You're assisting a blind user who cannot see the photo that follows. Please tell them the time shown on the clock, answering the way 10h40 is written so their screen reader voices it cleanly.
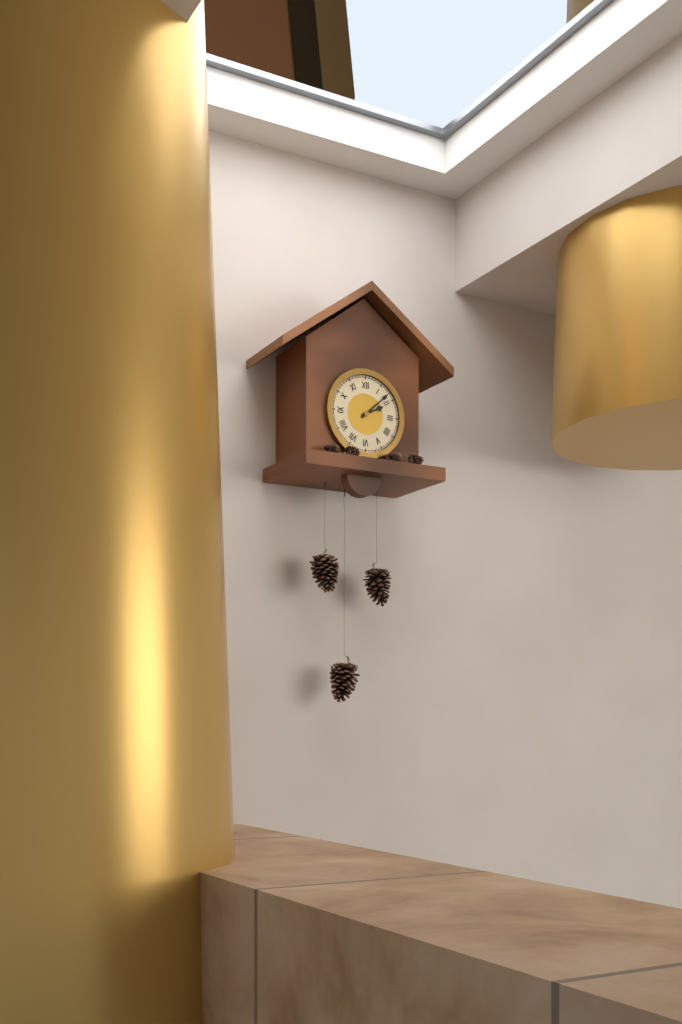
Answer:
2h08
